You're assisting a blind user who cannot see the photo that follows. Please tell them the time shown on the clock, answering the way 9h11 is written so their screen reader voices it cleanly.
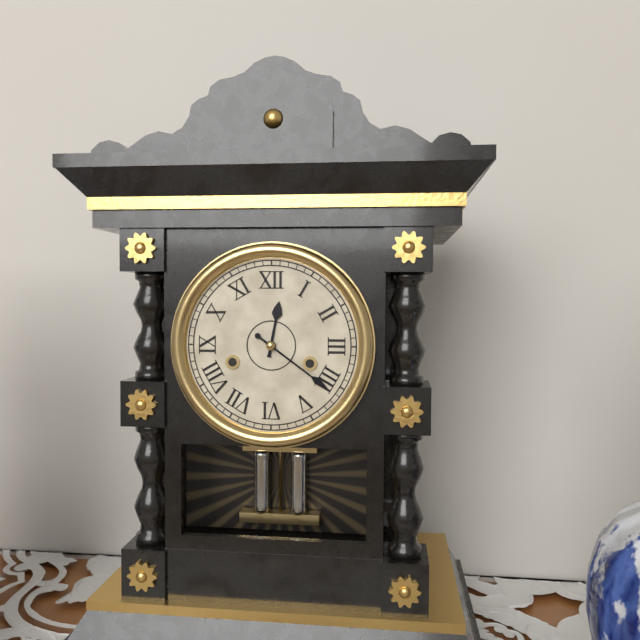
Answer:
12h21
